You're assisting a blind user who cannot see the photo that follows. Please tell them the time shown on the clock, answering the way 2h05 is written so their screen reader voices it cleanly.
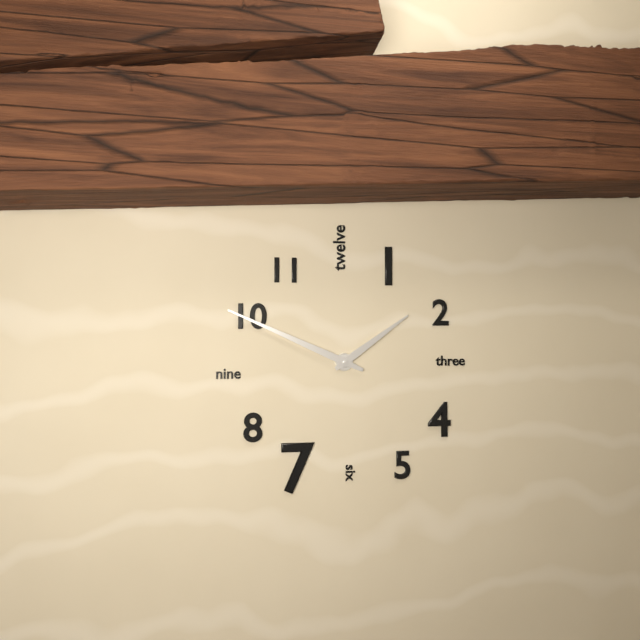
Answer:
1h49
